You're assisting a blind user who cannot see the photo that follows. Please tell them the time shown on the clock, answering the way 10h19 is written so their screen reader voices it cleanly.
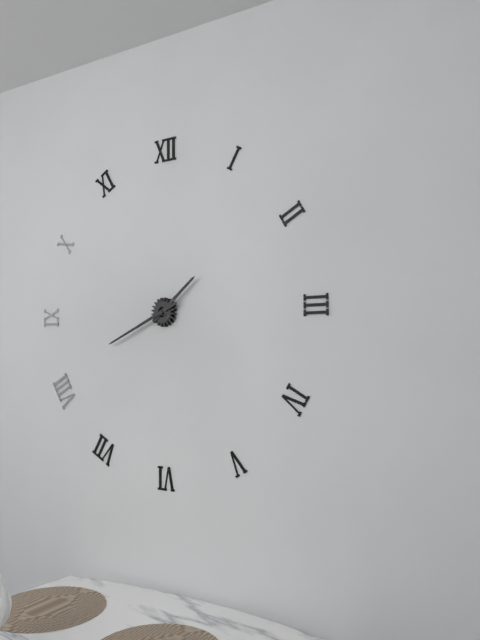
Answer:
1h41
